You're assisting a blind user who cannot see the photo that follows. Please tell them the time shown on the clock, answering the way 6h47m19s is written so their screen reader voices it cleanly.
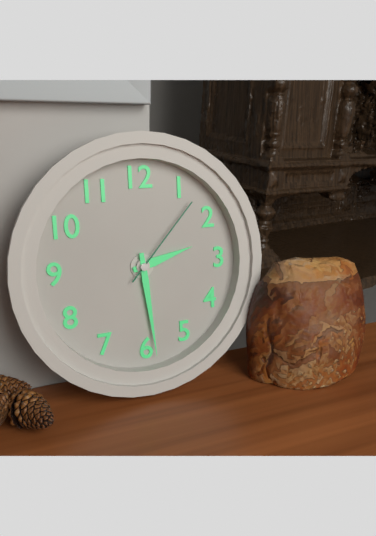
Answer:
2h29m07s
